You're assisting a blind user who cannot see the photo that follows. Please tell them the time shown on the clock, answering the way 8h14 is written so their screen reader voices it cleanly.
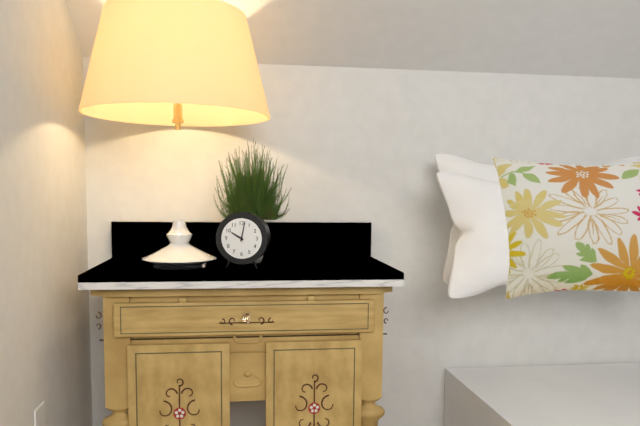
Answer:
10h02
